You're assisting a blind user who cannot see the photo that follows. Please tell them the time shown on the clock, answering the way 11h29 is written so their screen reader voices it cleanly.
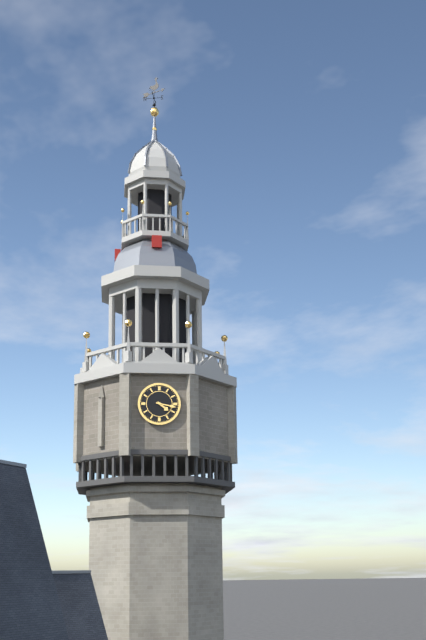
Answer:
4h17
